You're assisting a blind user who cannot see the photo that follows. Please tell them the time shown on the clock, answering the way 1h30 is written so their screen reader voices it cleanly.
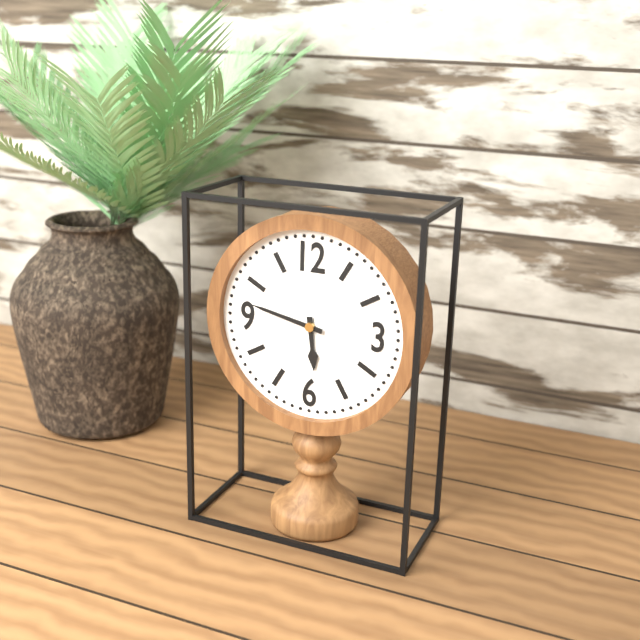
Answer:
5h47
